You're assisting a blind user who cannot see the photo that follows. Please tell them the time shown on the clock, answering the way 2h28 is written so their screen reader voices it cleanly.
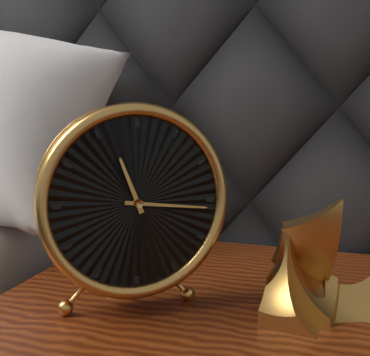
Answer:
11h16
